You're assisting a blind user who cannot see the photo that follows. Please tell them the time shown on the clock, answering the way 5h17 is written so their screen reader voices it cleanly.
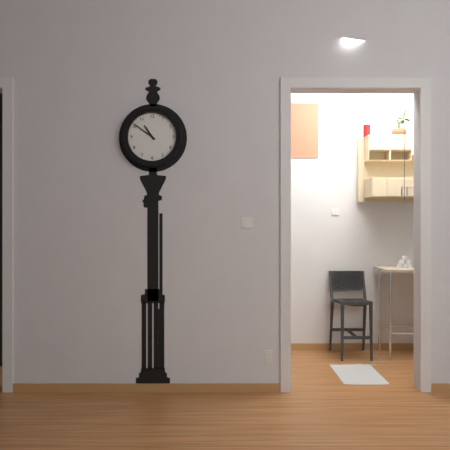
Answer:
10h51
